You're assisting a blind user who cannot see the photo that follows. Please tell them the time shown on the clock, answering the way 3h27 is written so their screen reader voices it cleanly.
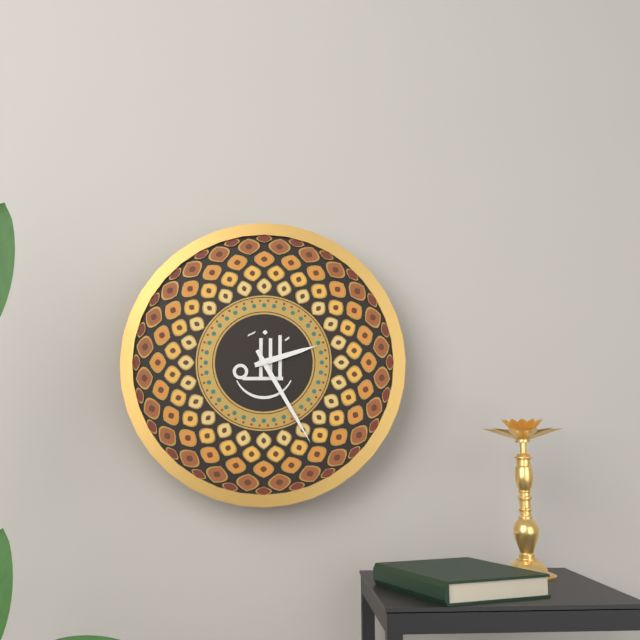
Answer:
2h25
